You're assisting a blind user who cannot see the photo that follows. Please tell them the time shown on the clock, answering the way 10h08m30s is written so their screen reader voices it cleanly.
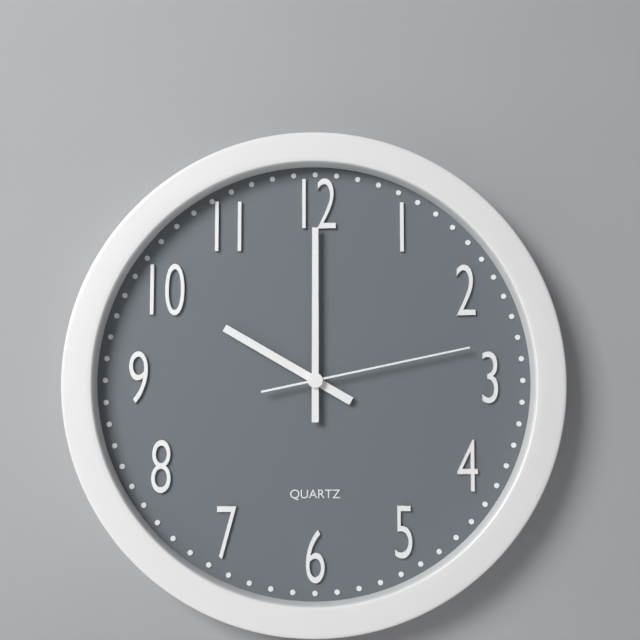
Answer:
10h00m13s
